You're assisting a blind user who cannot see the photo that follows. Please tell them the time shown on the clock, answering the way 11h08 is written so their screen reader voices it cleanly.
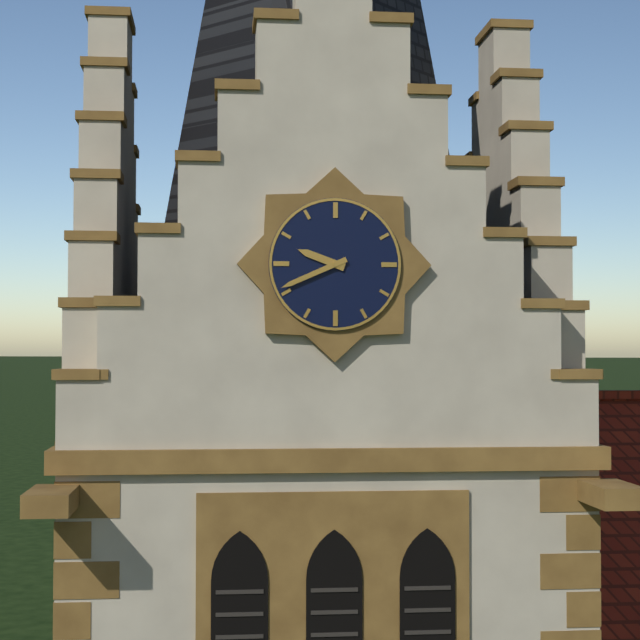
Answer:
9h41
